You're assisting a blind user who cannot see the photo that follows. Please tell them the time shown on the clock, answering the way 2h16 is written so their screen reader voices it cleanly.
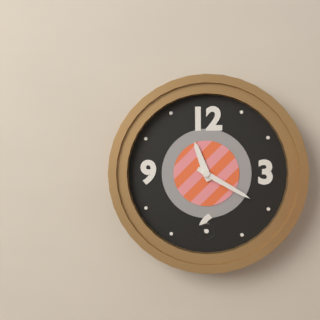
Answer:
11h20
